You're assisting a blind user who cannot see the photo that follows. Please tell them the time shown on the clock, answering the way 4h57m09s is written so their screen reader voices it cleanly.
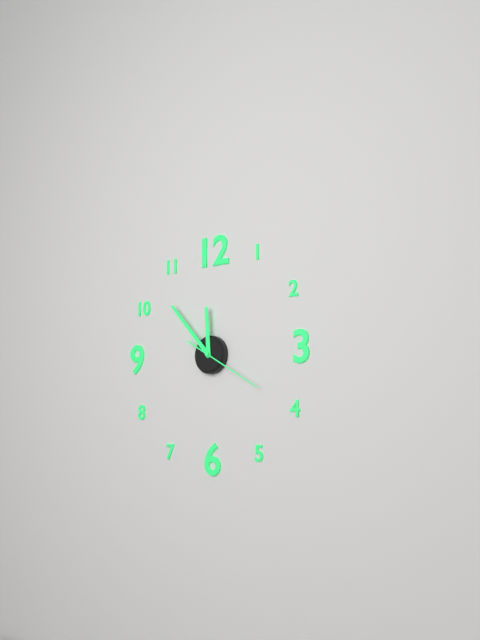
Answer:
11h53m20s
